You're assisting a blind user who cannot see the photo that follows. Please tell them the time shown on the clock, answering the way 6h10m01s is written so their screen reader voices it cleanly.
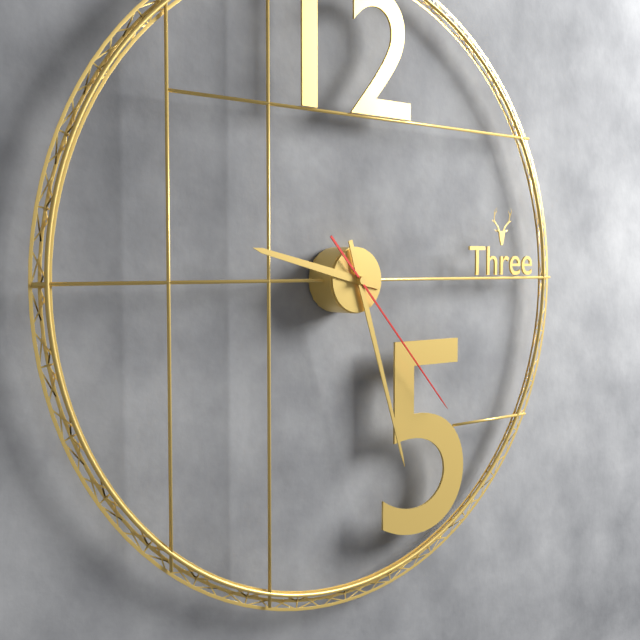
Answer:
9h27m23s
